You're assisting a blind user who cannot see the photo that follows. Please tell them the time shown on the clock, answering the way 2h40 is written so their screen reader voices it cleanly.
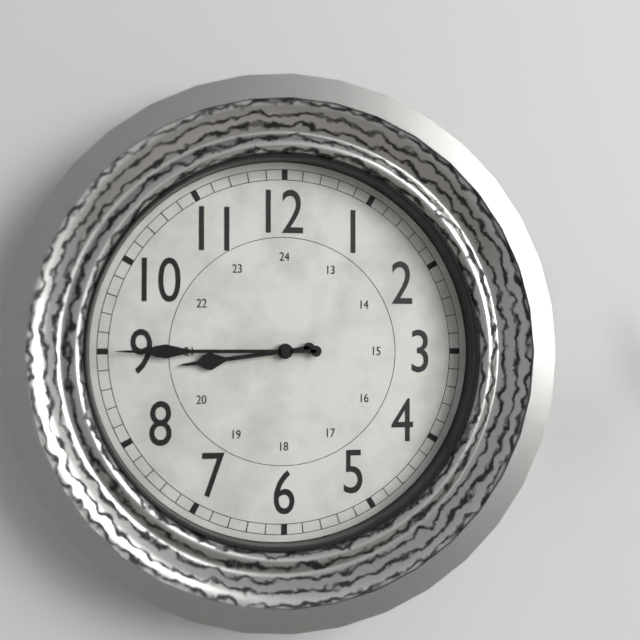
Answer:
8h45
